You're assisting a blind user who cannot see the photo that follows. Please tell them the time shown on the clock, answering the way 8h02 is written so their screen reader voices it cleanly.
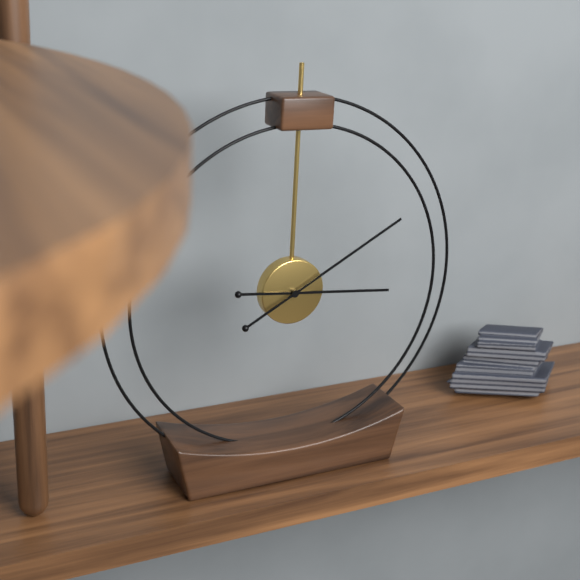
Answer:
3h10
